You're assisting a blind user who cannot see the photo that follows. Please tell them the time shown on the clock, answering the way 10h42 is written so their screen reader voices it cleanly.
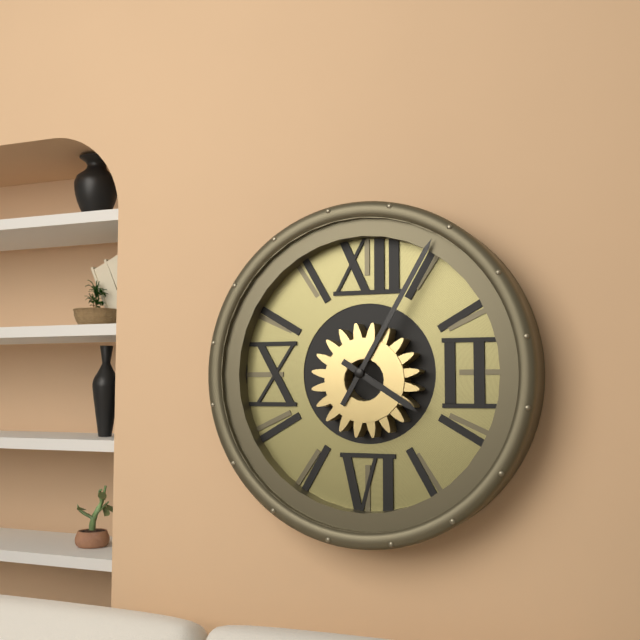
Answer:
4h05
